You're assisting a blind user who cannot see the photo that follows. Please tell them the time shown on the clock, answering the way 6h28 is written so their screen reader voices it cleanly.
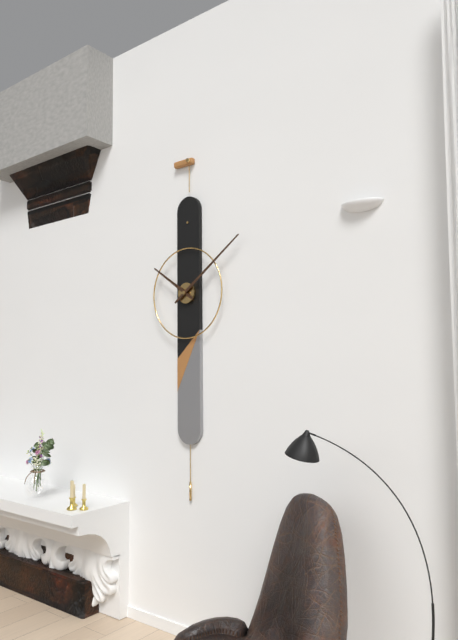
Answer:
10h09
